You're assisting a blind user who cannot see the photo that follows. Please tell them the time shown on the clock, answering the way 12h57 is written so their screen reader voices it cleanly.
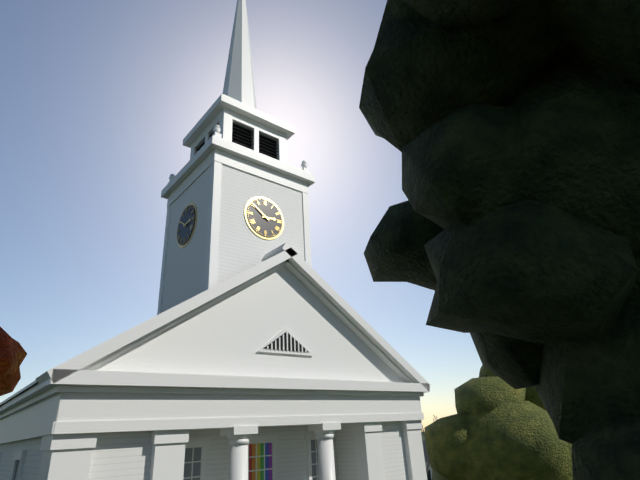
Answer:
2h51
